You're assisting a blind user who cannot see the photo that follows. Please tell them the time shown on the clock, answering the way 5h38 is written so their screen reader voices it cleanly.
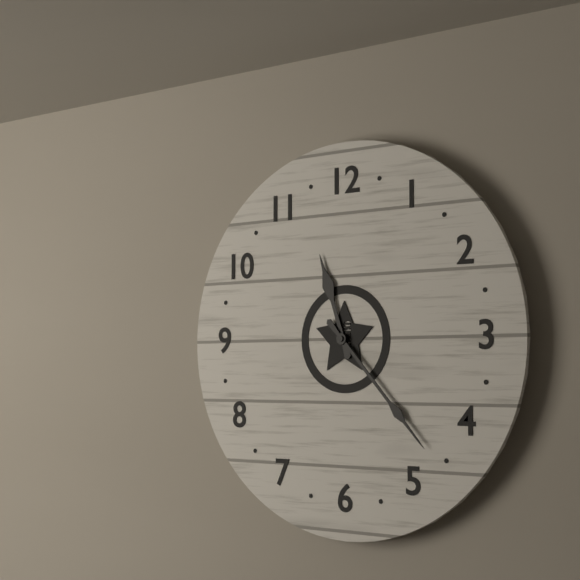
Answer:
11h23
